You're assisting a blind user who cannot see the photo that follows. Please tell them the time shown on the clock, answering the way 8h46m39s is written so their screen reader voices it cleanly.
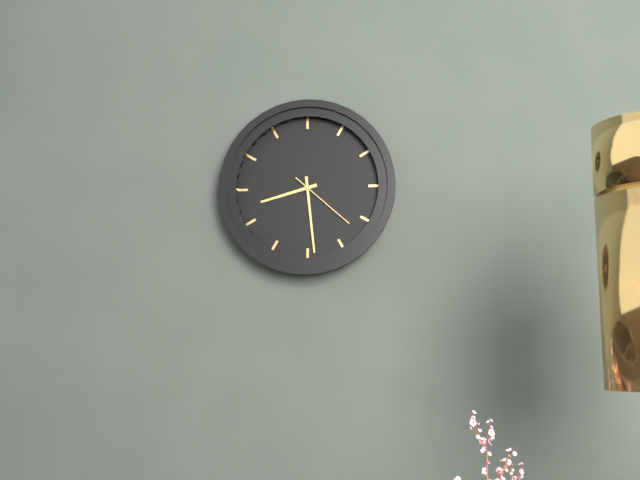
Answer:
8h29m22s
